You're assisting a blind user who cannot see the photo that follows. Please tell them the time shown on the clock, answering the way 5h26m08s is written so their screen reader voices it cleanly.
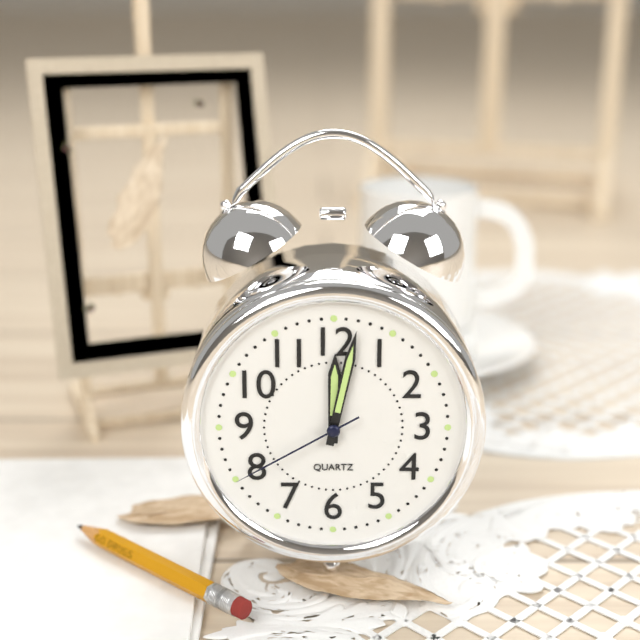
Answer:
12h02m40s
